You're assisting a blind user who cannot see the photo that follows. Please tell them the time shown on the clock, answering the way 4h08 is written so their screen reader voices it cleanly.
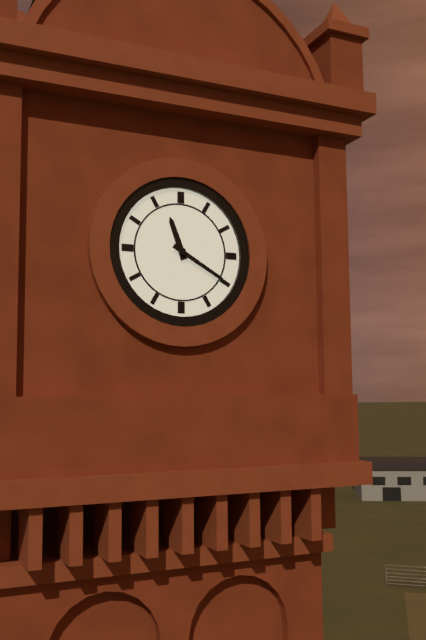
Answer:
11h20
